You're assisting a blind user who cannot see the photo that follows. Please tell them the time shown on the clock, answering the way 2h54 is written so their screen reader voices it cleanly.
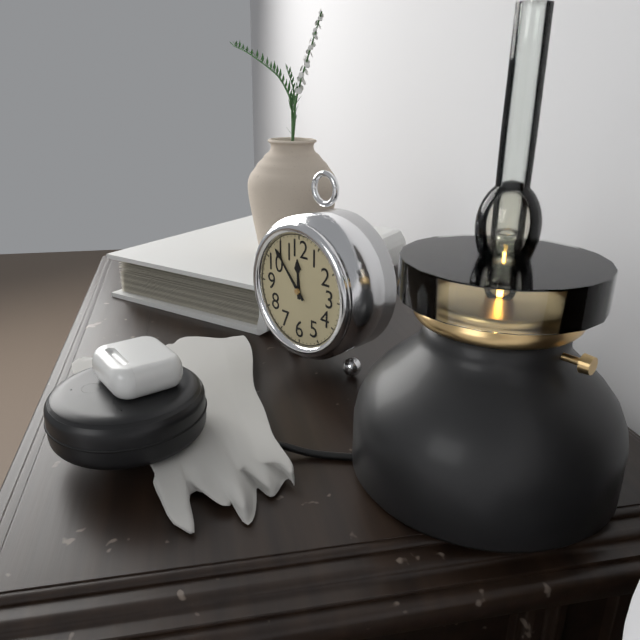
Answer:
11h53
